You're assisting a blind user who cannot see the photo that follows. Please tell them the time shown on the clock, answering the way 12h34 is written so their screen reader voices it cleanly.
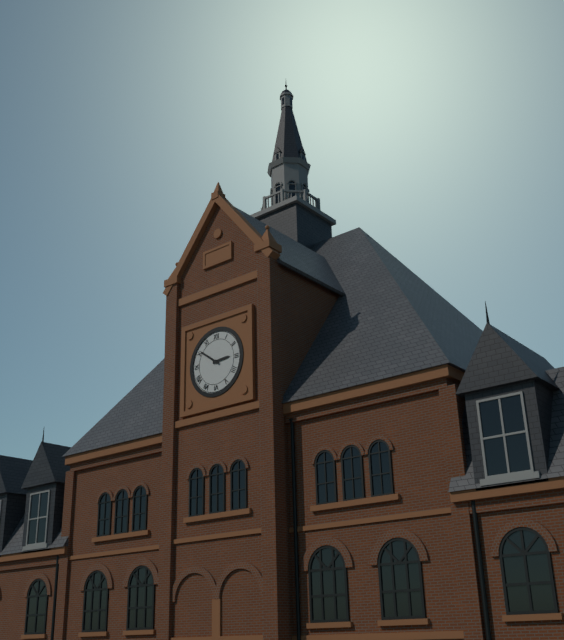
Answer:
2h51
